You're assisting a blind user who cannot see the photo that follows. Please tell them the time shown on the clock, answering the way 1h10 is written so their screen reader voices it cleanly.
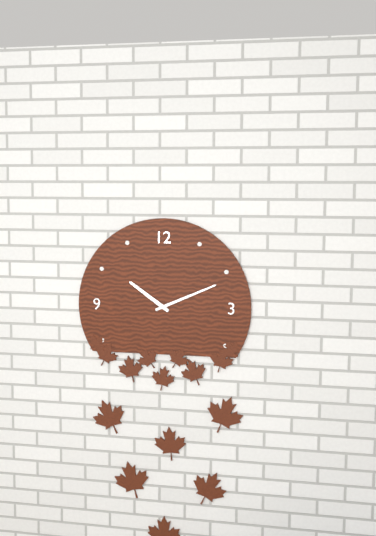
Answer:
10h11
